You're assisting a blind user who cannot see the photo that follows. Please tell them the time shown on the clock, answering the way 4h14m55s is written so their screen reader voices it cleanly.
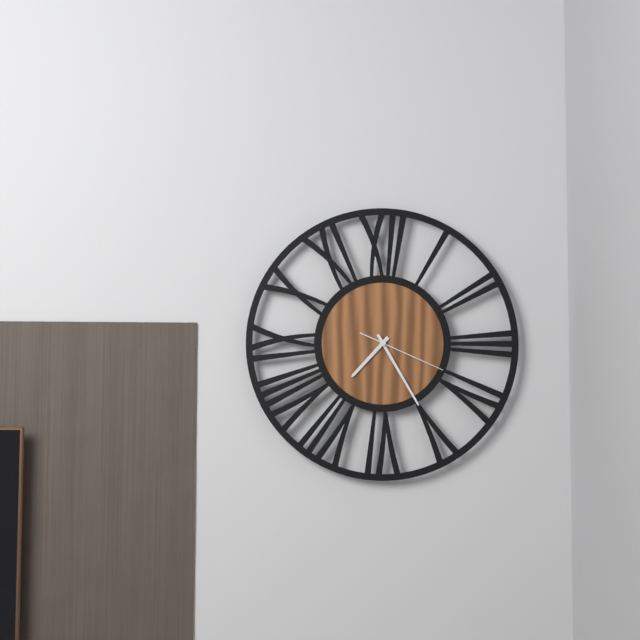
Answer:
7h25m19s
